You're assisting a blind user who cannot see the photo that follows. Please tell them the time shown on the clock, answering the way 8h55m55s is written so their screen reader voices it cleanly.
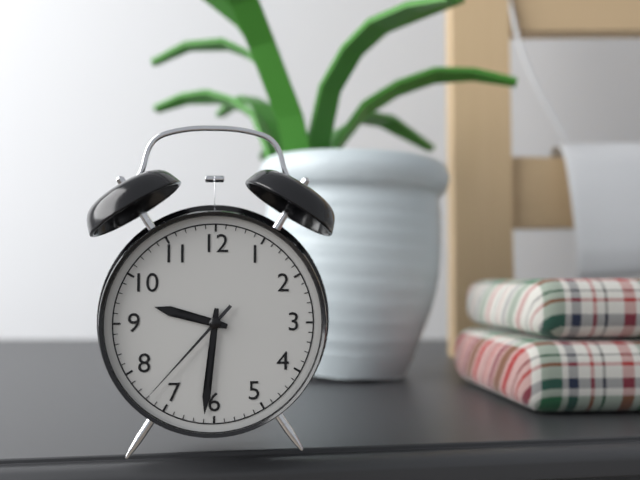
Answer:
9h31m37s
